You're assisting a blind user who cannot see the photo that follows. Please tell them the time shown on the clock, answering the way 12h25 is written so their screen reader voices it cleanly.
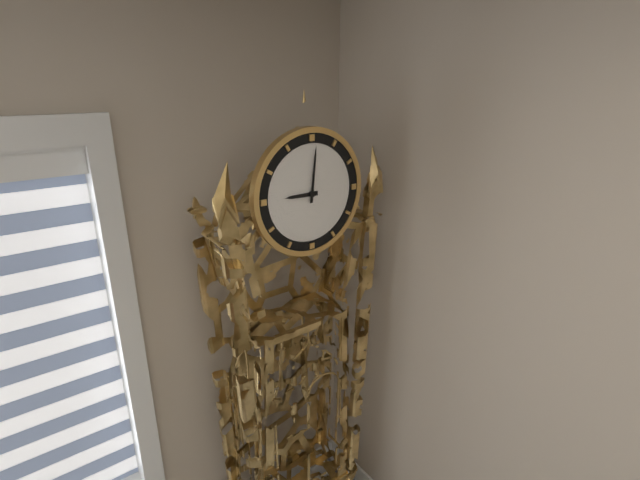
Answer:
9h01
